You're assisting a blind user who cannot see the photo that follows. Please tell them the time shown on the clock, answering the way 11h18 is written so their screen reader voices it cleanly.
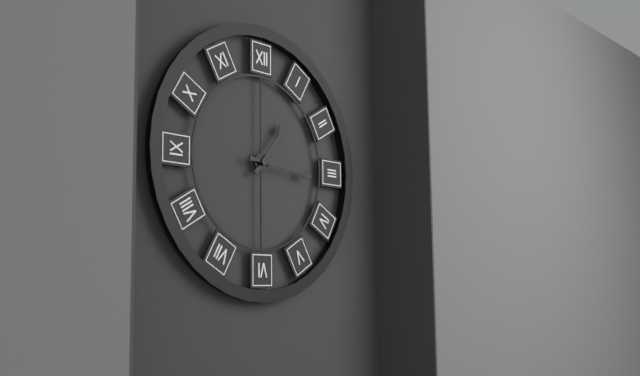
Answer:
1h16
